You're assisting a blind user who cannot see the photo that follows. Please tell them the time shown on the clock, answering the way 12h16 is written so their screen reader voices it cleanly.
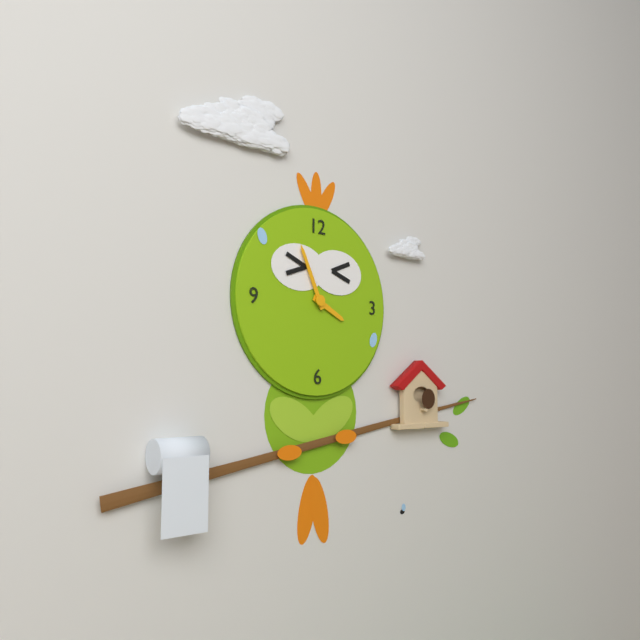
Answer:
3h56
